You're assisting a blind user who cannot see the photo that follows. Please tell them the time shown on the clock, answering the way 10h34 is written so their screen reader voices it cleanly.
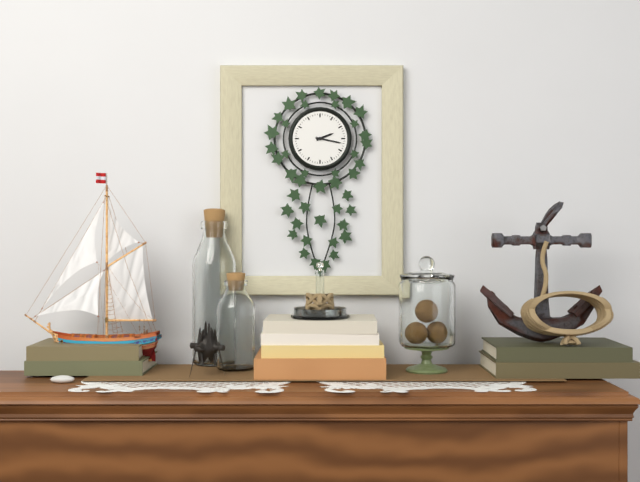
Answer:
2h17
